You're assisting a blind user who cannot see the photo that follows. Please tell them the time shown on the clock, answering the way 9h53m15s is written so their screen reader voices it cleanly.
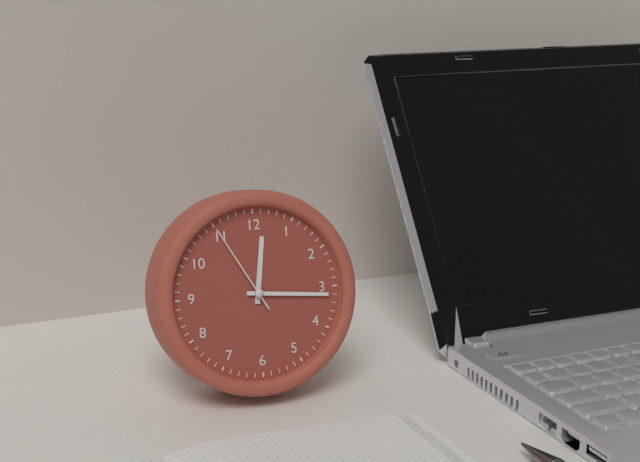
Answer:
12h16m55s
